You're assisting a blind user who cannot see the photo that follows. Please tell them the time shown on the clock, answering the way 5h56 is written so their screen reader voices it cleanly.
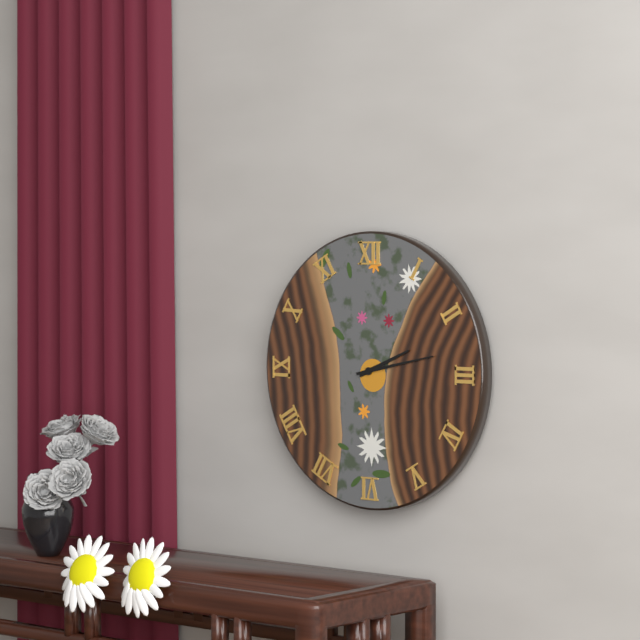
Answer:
2h13
